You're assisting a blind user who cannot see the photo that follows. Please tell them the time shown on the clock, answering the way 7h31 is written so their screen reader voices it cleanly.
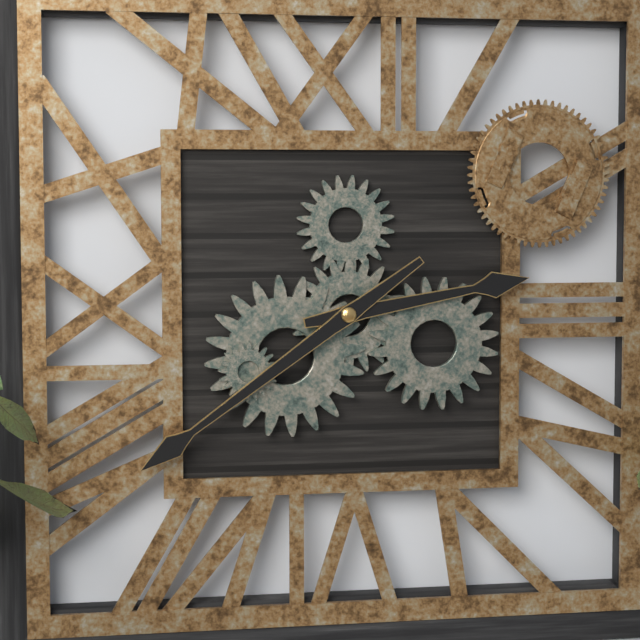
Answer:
2h39
